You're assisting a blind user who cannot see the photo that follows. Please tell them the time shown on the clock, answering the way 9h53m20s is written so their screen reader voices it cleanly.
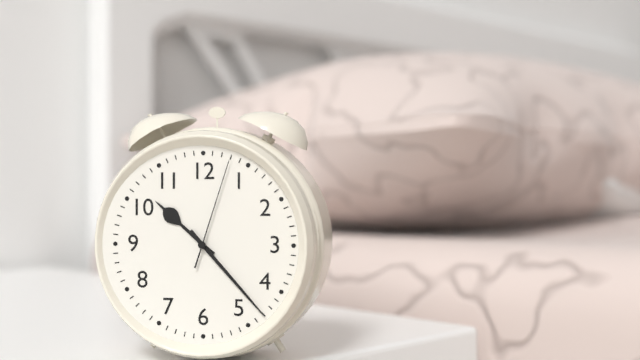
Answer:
10h23m03s
